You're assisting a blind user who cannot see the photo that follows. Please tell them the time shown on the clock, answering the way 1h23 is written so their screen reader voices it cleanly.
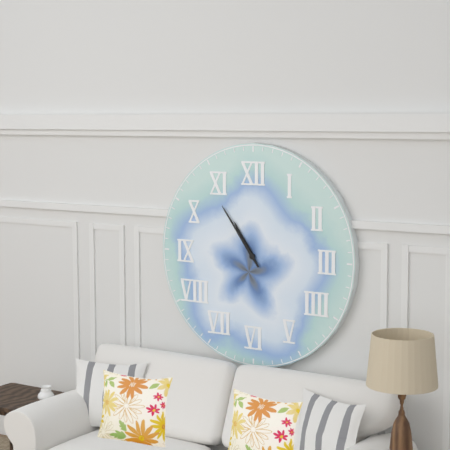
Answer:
10h54
